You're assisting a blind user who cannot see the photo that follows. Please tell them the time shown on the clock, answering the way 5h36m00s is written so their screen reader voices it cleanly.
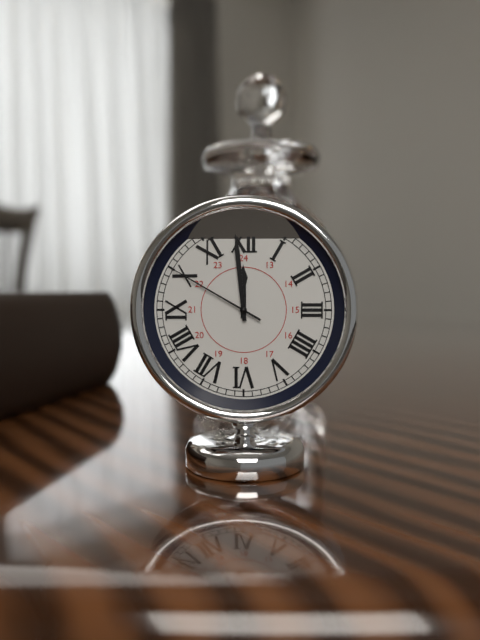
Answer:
11h59m50s
